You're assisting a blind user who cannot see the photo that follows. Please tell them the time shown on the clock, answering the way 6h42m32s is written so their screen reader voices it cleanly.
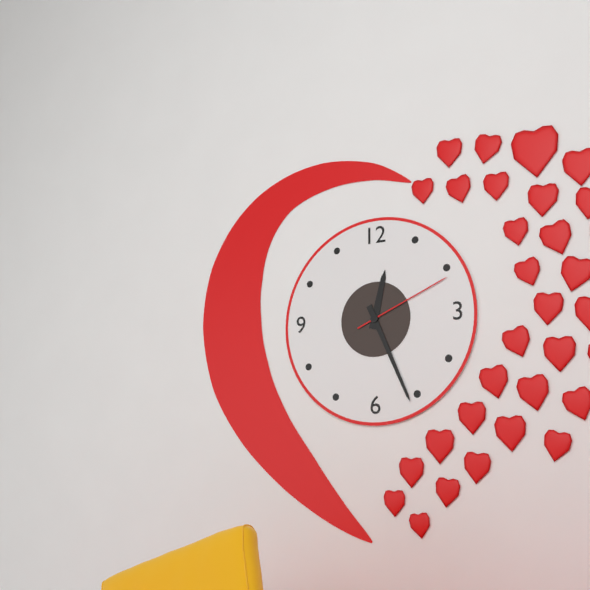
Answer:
12h26m11s
